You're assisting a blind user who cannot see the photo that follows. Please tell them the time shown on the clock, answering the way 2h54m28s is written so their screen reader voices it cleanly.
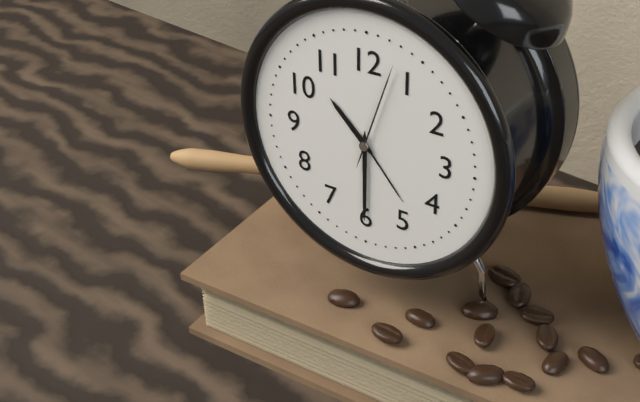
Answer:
10h30m03s
